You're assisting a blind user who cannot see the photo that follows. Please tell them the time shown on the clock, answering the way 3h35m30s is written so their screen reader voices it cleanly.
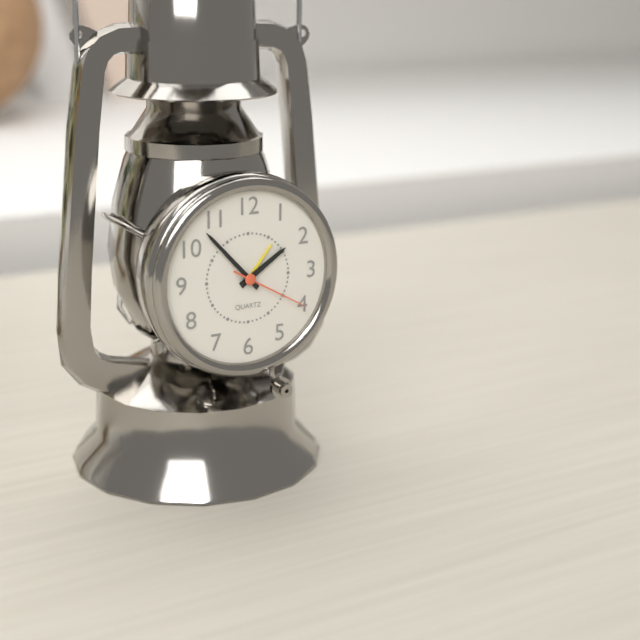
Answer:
1h53m20s
